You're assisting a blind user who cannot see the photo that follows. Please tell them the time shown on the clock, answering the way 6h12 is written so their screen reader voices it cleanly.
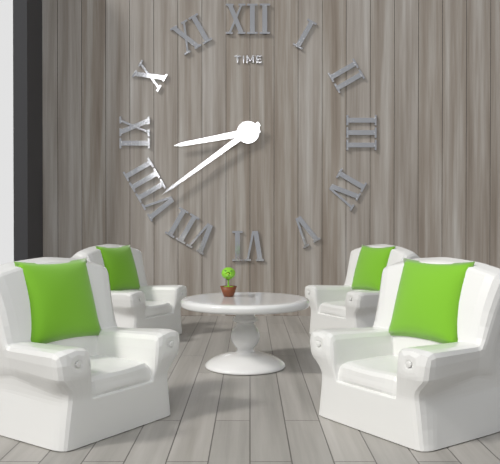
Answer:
8h39
